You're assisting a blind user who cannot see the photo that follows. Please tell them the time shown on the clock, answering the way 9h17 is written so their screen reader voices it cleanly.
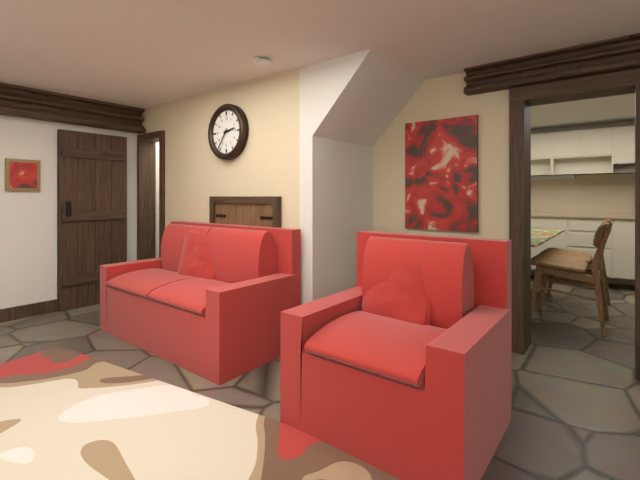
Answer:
2h36
